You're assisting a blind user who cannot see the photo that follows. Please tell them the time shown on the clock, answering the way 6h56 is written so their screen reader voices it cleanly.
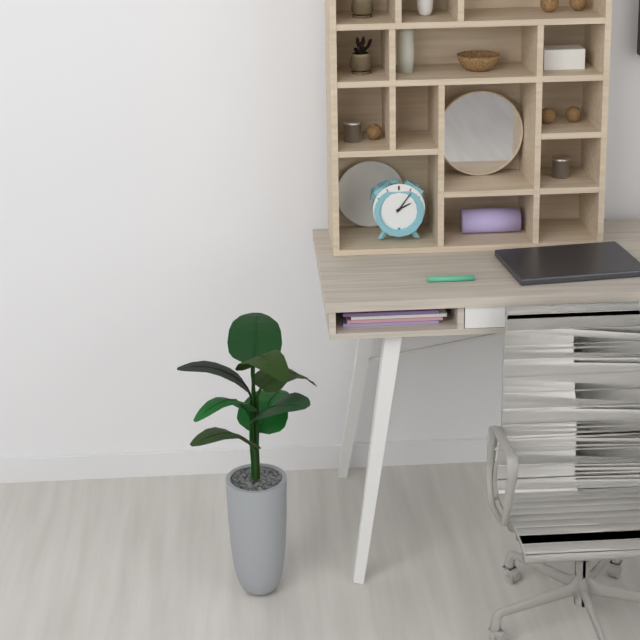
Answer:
2h06
